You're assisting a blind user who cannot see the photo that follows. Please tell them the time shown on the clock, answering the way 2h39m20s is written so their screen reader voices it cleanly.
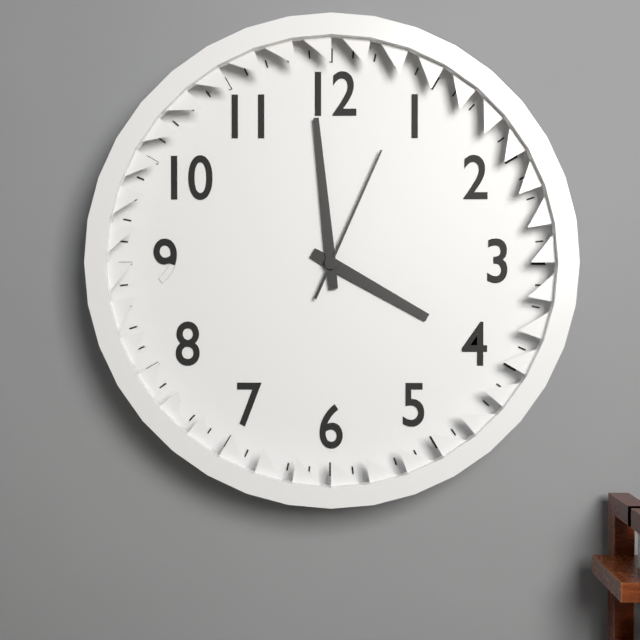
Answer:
3h59m04s
